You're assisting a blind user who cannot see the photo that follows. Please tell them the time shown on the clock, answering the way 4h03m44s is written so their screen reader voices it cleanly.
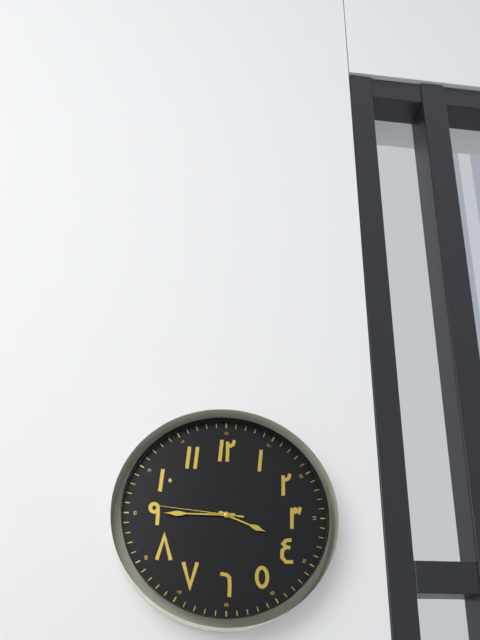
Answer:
3h45m46s
